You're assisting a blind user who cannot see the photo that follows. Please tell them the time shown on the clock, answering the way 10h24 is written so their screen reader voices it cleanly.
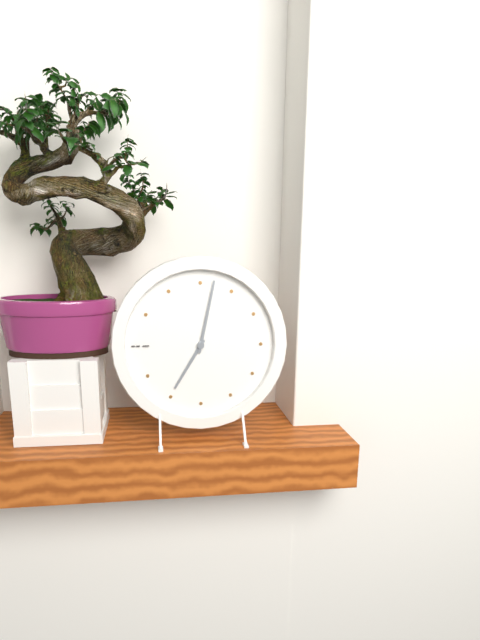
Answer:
7h02
